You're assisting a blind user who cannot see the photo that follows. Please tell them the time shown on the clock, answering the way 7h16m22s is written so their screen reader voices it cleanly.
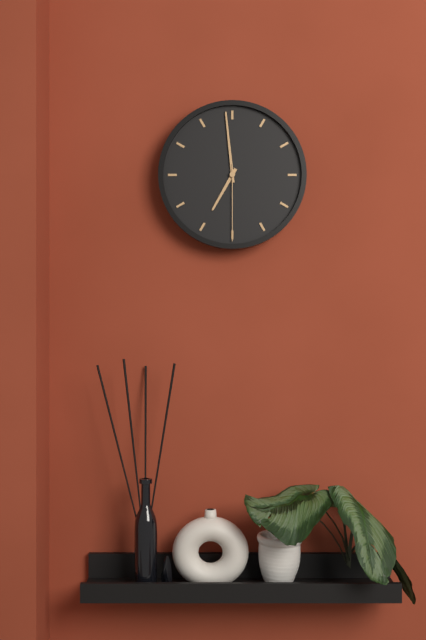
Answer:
6h59m30s
